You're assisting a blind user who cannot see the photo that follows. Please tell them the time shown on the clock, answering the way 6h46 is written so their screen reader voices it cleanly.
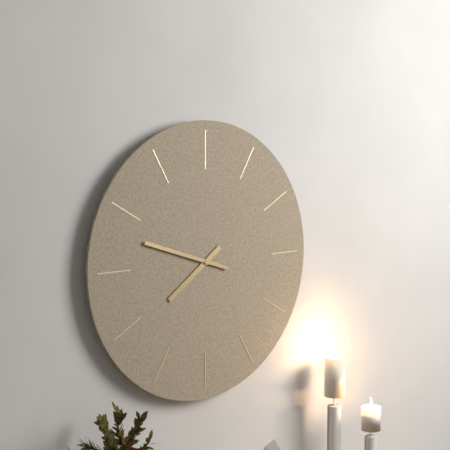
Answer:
7h48
